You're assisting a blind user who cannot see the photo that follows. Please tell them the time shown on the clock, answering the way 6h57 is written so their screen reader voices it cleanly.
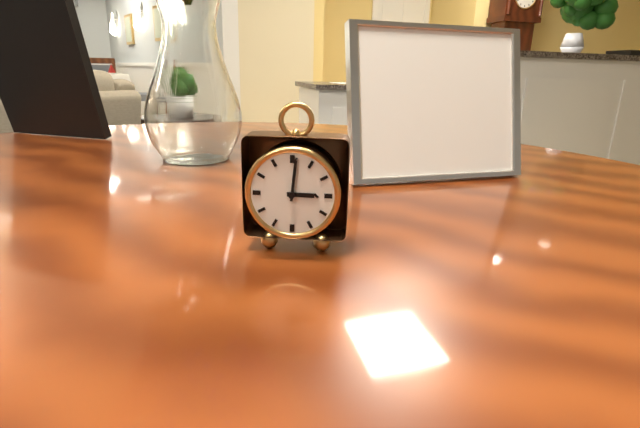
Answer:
3h01
